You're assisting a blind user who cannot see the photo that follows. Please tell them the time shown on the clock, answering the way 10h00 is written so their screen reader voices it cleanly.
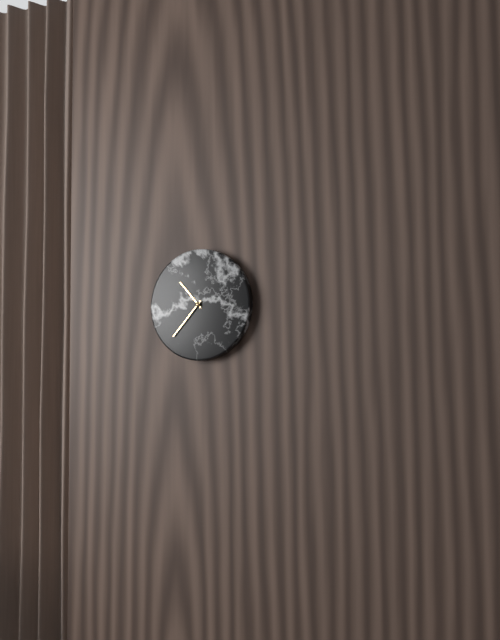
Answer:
10h37
